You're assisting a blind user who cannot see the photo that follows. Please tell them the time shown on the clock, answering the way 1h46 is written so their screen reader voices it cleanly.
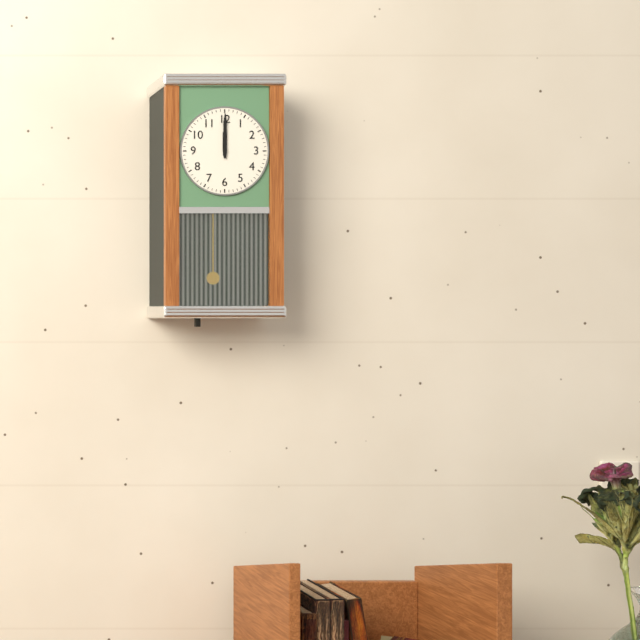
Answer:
12h00
